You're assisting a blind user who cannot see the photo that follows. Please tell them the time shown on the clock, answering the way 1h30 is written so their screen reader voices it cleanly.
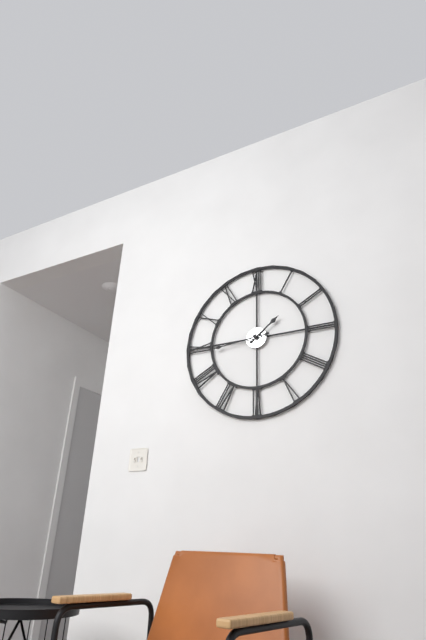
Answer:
1h44
